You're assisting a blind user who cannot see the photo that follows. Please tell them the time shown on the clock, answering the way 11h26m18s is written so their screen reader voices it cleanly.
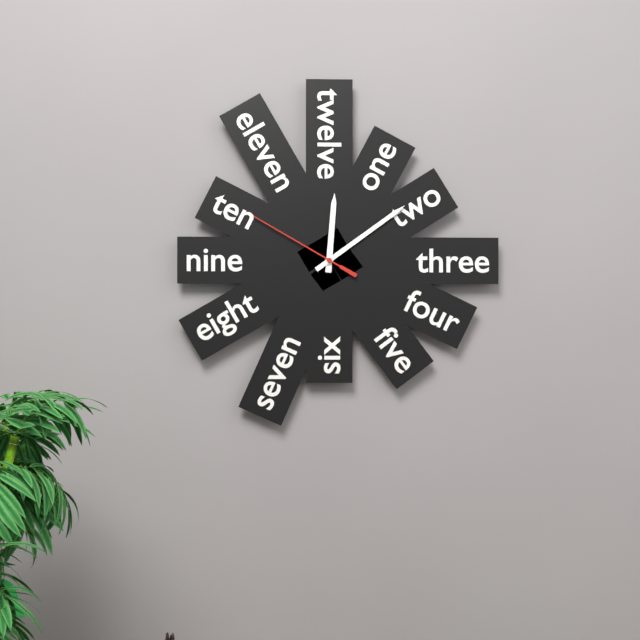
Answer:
12h09m50s
